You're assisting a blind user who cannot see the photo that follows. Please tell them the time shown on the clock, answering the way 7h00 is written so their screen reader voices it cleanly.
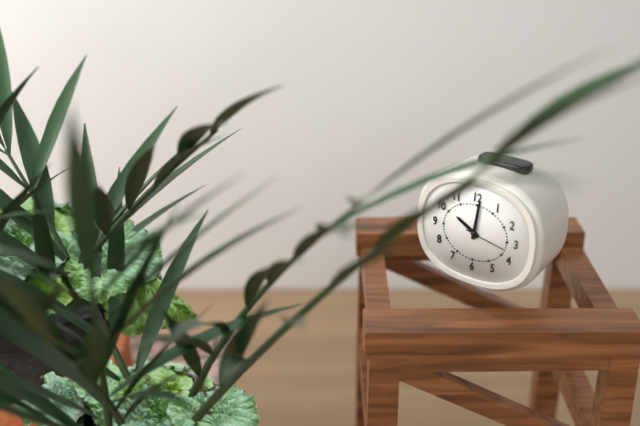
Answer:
10h01
